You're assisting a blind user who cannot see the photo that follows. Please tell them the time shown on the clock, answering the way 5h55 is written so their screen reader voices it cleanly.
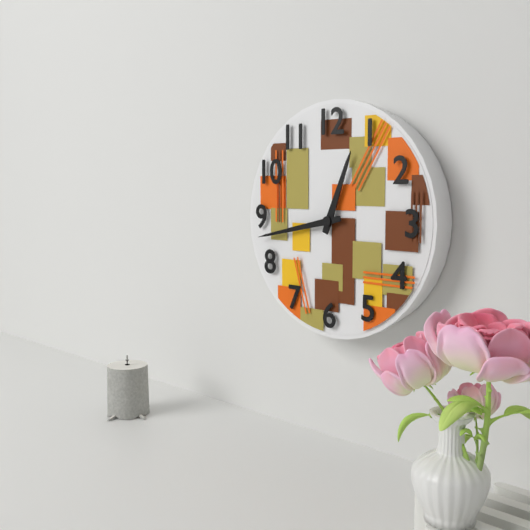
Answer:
12h43
